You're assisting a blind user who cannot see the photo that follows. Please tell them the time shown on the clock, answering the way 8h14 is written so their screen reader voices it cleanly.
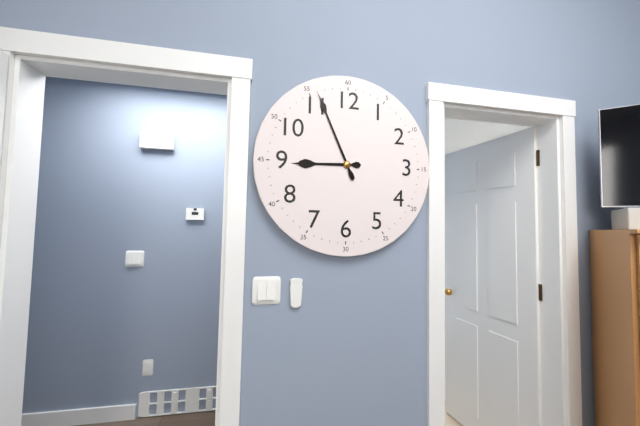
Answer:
8h56
